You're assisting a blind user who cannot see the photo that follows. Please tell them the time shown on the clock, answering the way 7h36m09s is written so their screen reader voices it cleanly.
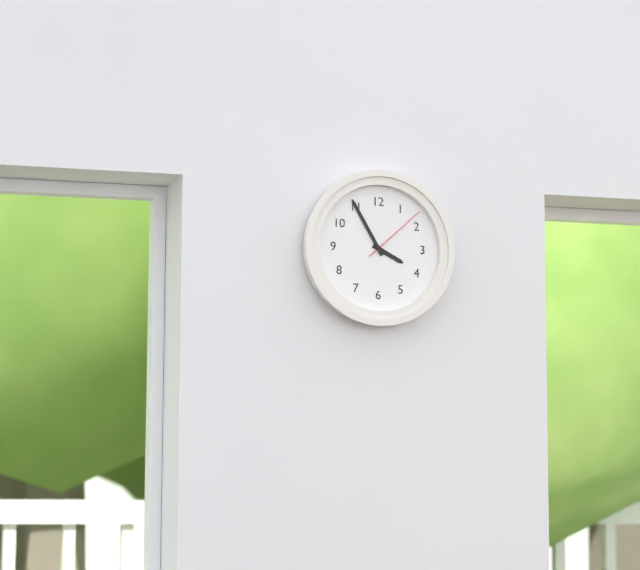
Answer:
3h55m08s
